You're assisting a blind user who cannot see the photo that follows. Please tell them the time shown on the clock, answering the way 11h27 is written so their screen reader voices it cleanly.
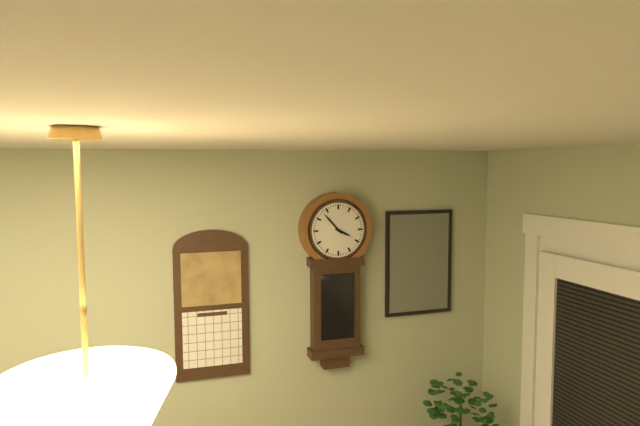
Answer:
3h53
